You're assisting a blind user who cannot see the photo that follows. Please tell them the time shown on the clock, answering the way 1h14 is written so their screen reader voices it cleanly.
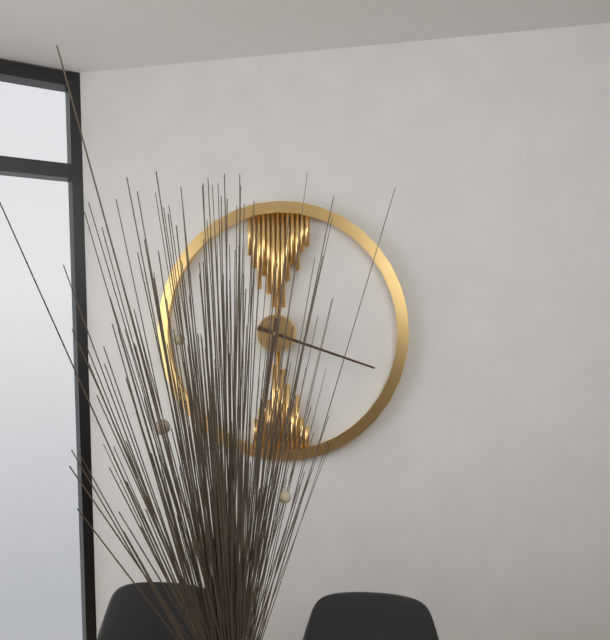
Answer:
6h18
